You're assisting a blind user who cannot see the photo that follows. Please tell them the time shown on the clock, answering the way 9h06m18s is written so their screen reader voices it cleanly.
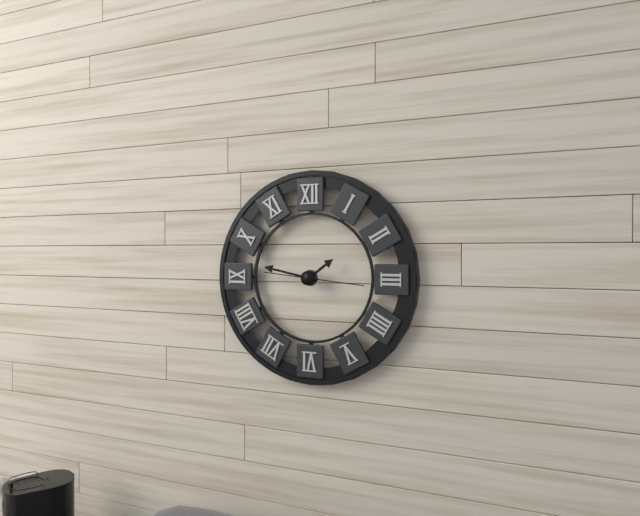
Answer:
1h47m16s
